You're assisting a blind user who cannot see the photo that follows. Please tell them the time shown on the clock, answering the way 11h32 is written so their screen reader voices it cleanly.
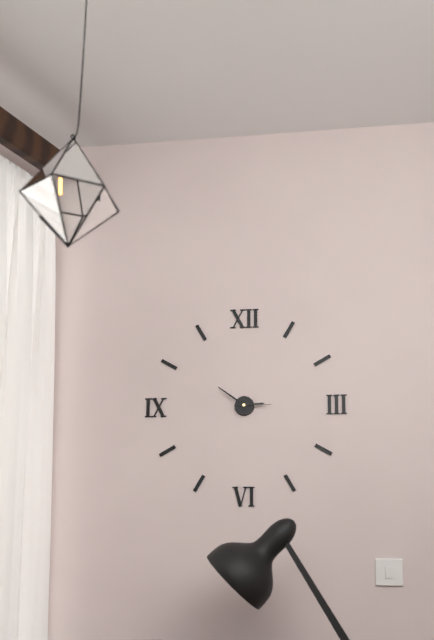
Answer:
2h51
